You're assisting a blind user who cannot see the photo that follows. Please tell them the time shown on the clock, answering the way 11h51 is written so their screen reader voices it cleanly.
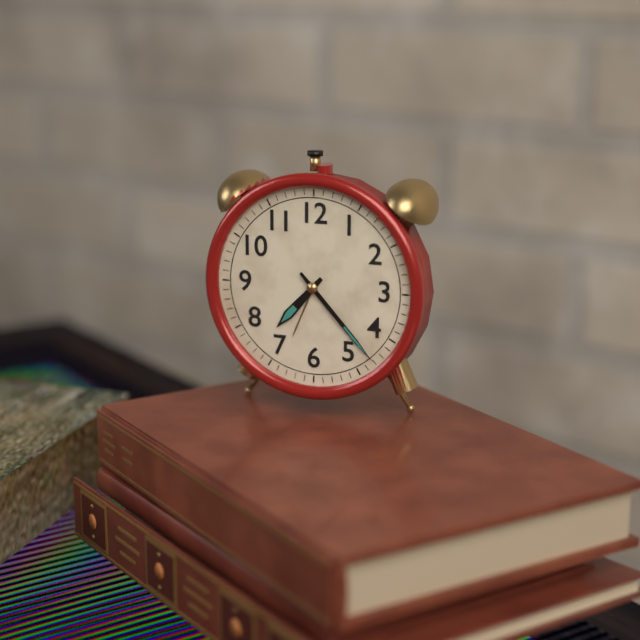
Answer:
7h23
